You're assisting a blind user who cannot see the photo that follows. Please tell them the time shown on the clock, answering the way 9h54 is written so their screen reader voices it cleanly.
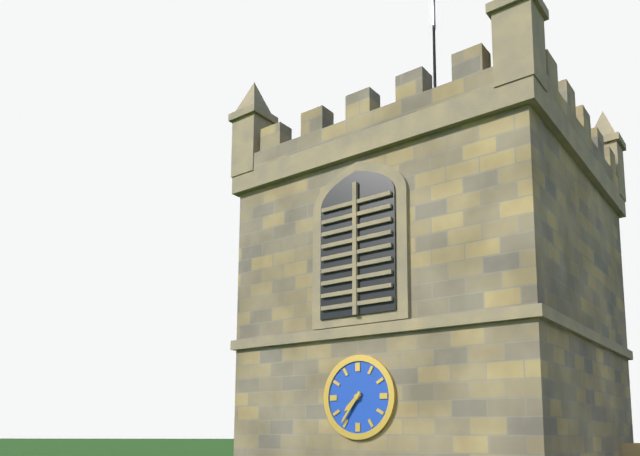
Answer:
7h36
